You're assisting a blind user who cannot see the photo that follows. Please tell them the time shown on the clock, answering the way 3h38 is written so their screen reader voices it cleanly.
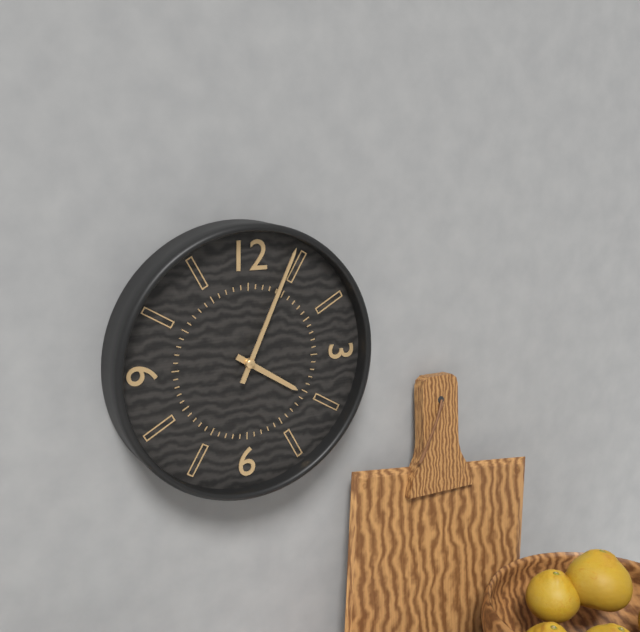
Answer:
4h04
